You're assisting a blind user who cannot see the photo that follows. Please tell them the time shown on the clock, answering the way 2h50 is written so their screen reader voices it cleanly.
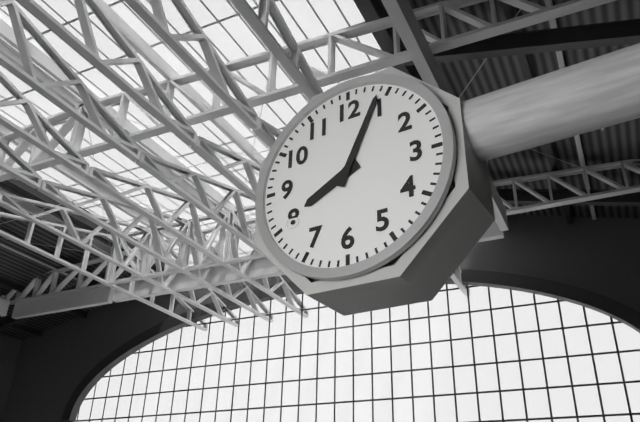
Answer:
8h04
